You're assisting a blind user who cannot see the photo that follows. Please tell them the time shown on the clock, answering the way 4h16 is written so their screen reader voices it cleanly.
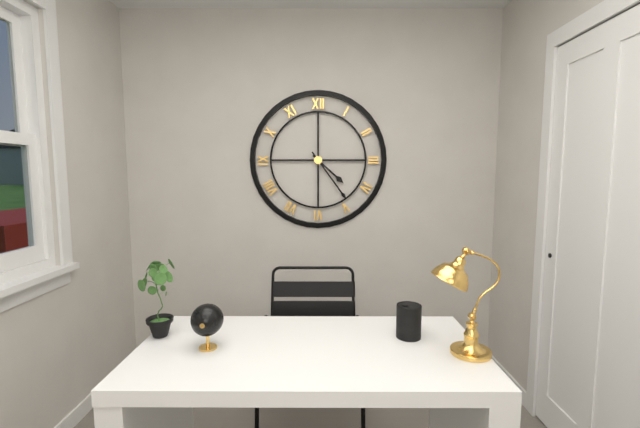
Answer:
4h24
